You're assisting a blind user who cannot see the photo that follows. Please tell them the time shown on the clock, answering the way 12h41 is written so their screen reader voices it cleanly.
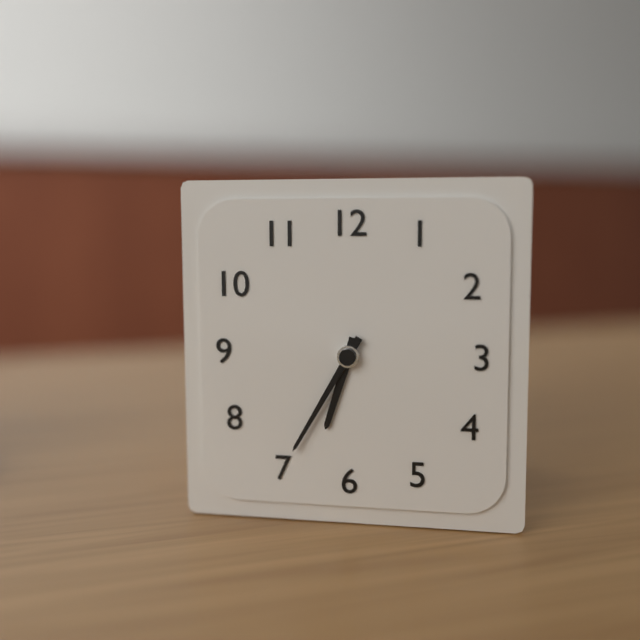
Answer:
6h35
